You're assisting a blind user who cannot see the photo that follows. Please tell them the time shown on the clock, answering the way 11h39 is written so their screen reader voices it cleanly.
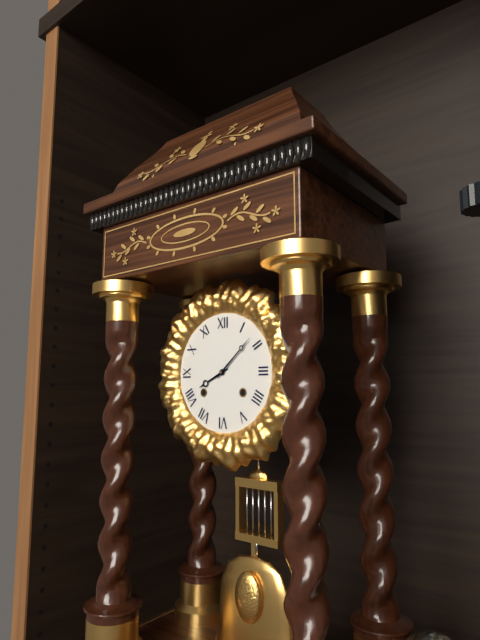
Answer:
8h08
